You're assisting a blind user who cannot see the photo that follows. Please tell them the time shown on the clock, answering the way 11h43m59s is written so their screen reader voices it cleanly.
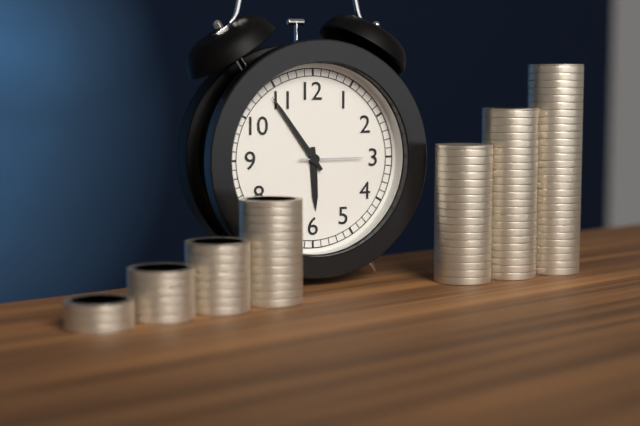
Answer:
5h54m15s
